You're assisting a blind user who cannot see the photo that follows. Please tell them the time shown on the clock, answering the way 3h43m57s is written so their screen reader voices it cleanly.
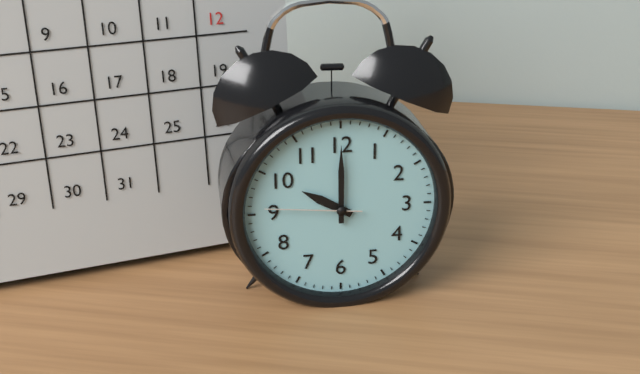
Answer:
10h00m46s
